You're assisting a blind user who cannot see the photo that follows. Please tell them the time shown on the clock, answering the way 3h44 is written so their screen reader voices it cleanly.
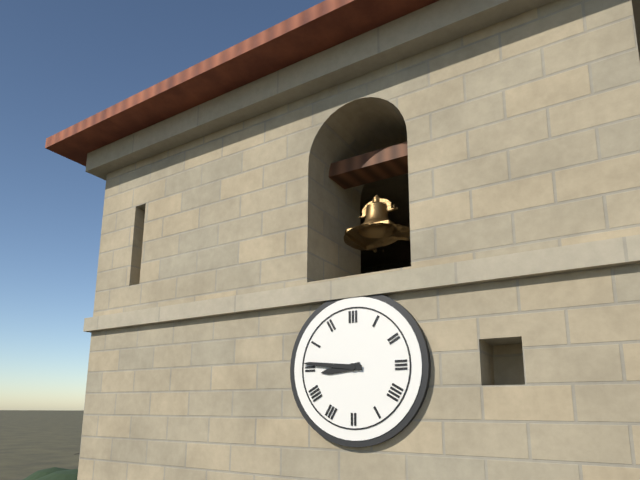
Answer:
8h46
